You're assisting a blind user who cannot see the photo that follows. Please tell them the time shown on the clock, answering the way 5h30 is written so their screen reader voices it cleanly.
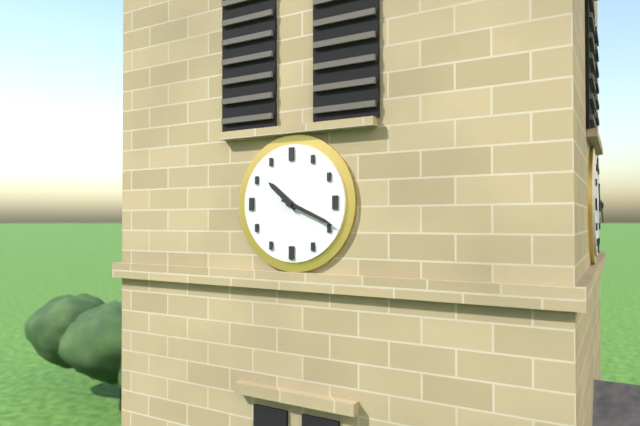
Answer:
10h19
